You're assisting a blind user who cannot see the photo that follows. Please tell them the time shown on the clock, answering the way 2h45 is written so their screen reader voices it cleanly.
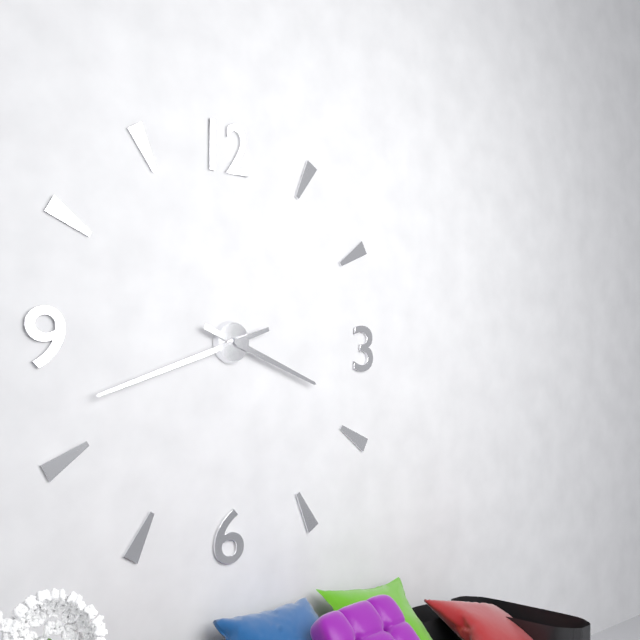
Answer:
3h42
